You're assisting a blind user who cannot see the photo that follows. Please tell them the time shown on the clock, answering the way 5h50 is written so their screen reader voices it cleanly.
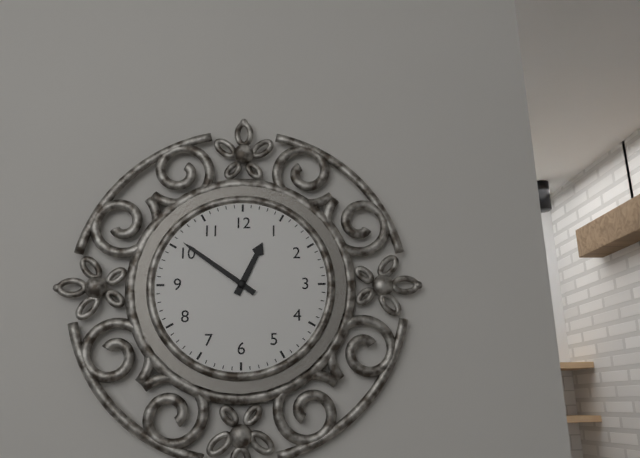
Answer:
12h51
